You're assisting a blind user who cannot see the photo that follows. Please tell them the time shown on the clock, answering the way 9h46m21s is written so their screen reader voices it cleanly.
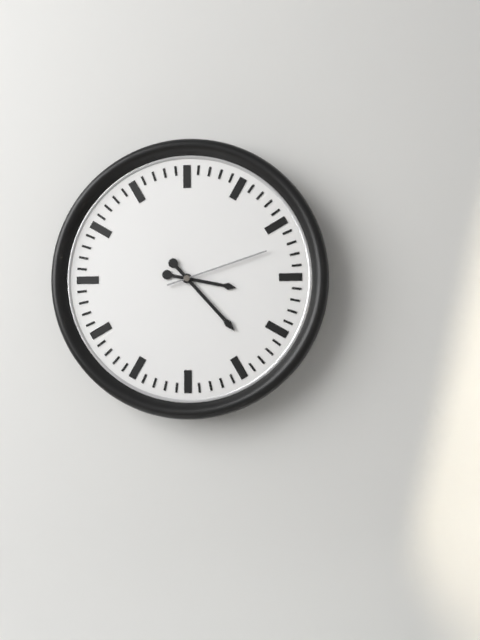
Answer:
3h23m12s
